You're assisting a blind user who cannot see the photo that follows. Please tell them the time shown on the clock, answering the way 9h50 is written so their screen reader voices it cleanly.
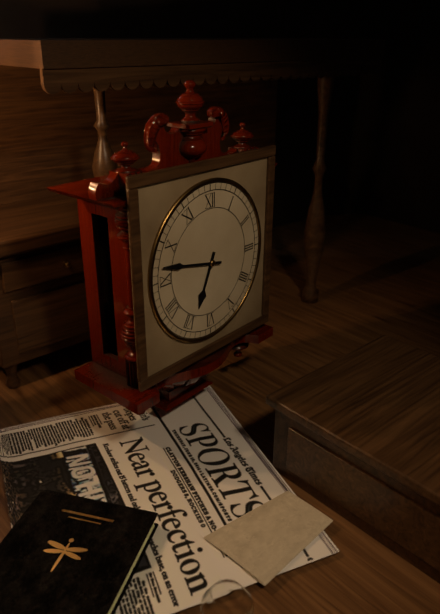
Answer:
6h47
